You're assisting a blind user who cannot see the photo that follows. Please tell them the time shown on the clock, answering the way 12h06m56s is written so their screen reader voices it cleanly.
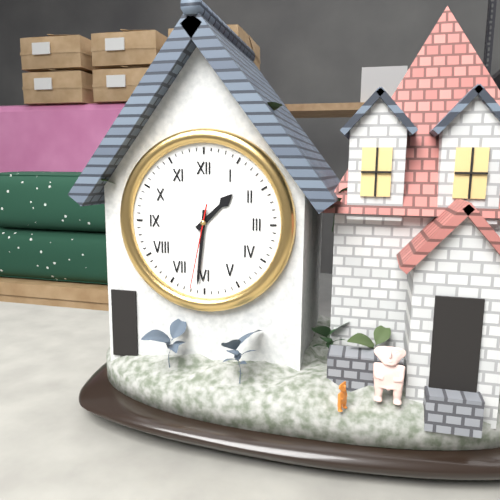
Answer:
1h31m32s
